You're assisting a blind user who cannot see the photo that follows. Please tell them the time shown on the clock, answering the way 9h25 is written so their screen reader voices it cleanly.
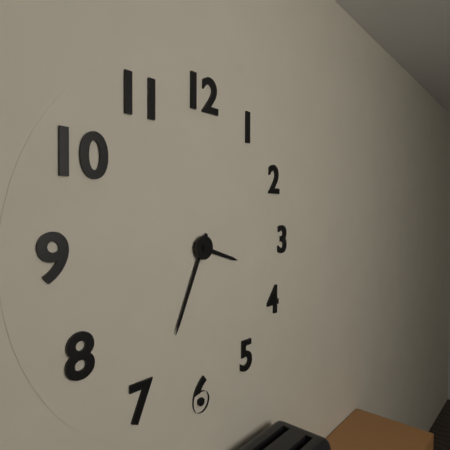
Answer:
3h34
